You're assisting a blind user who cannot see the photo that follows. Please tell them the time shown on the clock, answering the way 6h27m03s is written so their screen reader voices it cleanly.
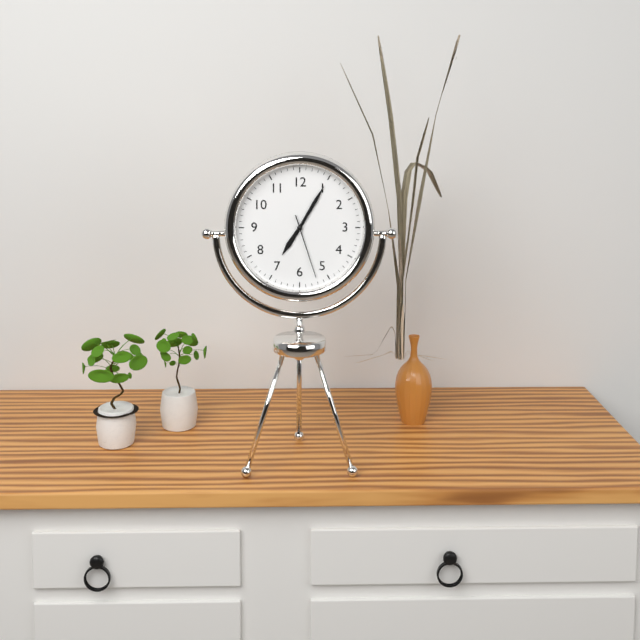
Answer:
7h05m27s
